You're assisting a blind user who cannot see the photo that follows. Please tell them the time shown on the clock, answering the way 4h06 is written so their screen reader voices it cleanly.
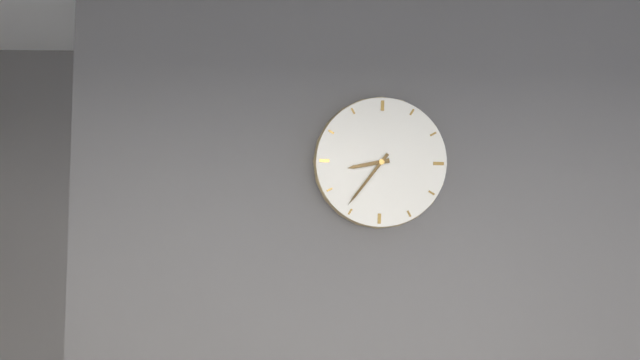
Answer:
8h36
